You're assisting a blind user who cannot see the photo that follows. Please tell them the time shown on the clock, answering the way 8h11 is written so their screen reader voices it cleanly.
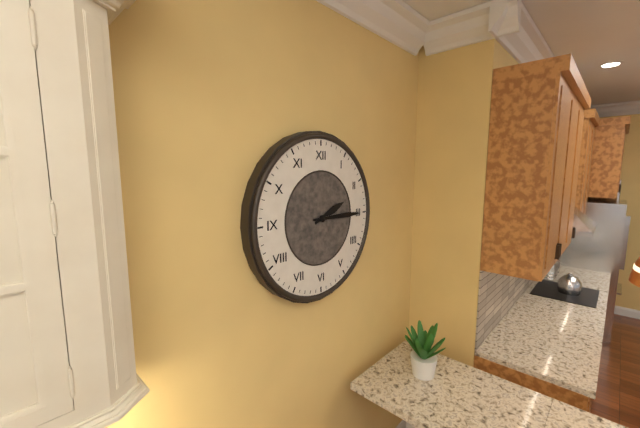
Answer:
2h15
